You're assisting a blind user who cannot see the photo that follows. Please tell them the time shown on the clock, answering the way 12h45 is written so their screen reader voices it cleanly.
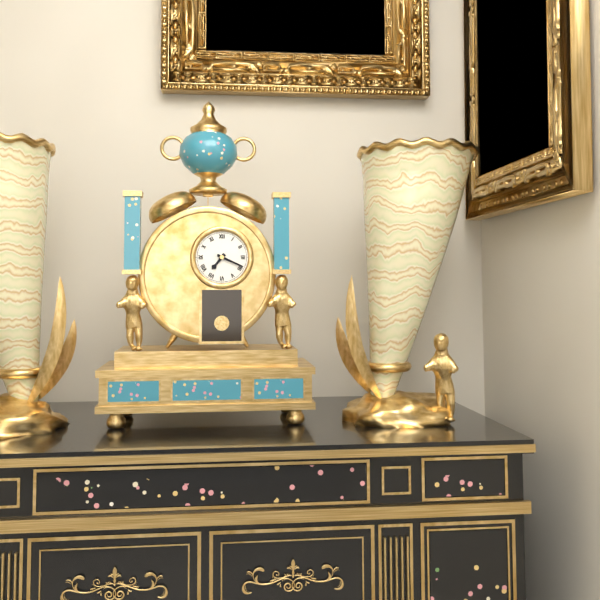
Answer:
7h19
